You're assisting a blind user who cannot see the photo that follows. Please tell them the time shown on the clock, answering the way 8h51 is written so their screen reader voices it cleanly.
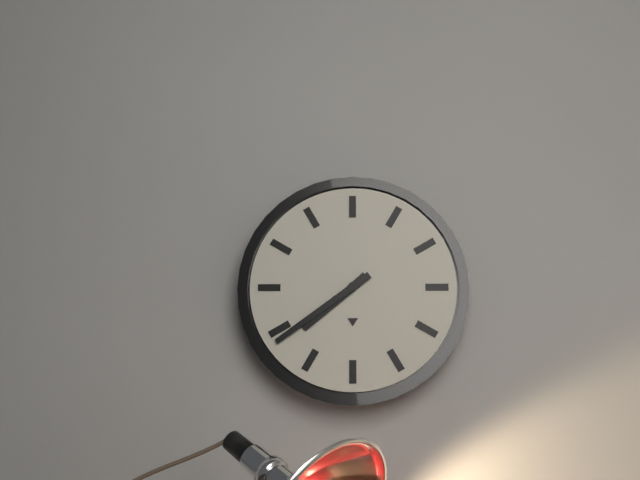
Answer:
7h39
